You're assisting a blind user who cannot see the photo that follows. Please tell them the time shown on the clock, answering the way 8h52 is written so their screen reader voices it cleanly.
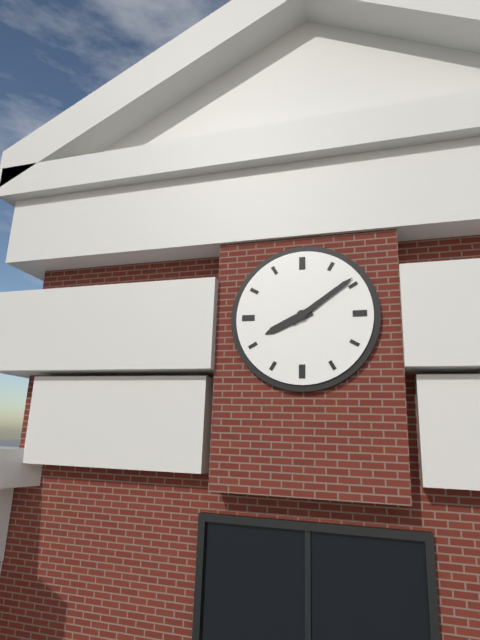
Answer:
8h09
